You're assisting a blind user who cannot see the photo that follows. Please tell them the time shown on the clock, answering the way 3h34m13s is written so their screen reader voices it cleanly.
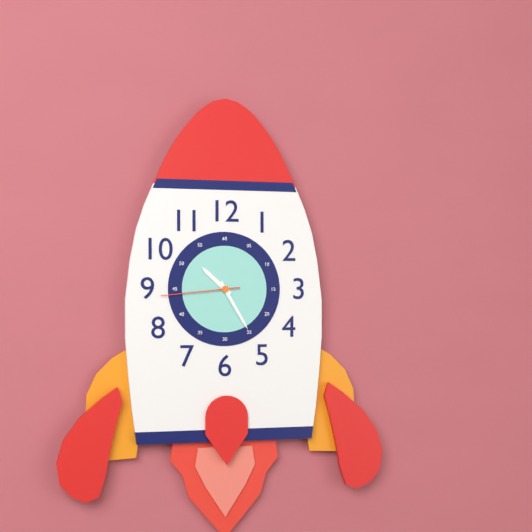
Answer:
10h25m44s
